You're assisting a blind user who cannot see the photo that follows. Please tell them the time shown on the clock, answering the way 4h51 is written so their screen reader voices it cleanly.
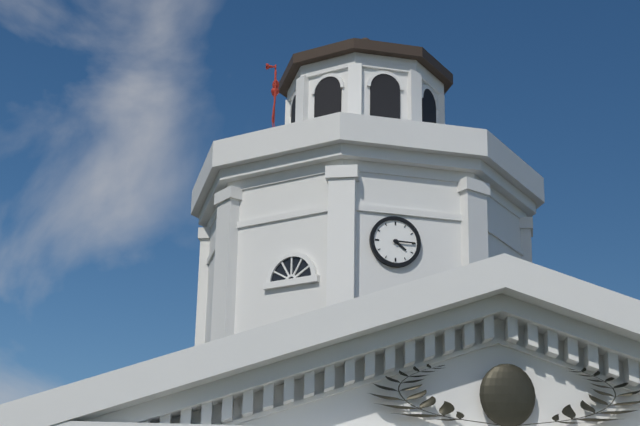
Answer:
4h15
